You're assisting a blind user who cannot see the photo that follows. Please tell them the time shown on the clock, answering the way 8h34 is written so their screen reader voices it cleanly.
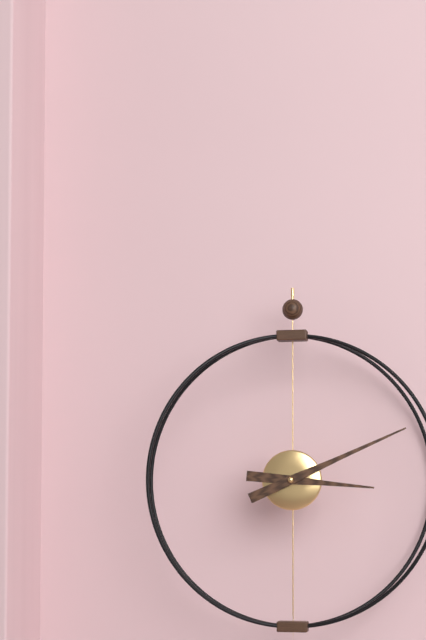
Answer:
3h11
